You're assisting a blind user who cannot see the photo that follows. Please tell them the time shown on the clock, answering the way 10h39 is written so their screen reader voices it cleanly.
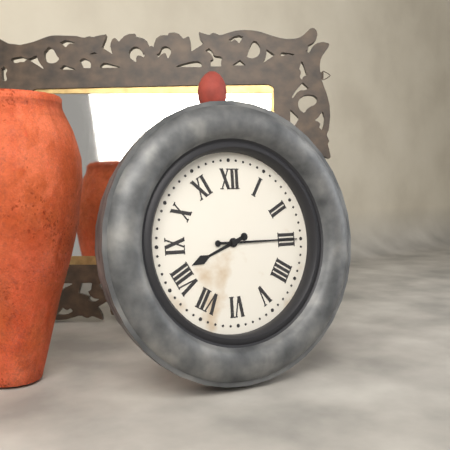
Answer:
8h15
